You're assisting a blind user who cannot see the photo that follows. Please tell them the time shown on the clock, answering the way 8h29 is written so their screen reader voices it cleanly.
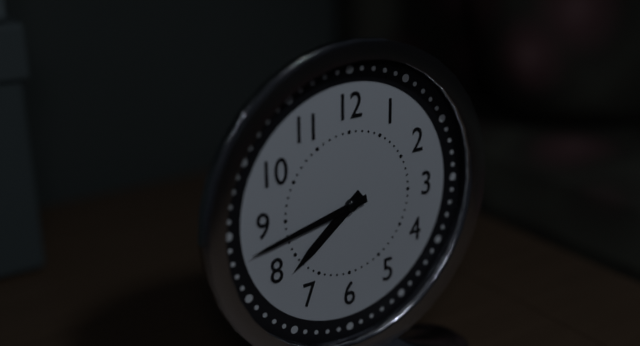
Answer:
7h43
